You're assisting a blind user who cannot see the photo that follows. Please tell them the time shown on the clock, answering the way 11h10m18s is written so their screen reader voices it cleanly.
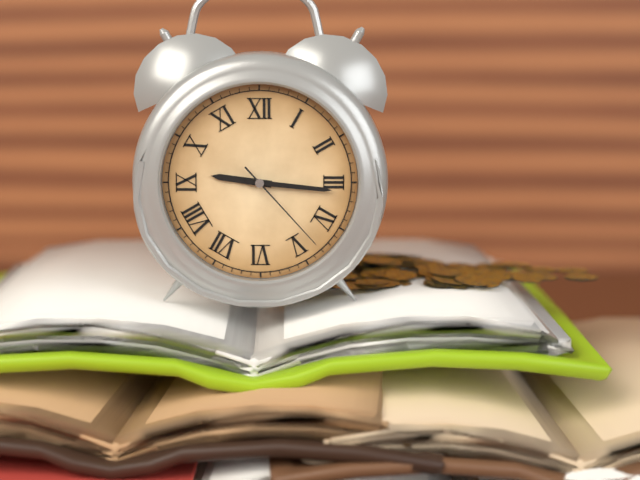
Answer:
9h16m23s
